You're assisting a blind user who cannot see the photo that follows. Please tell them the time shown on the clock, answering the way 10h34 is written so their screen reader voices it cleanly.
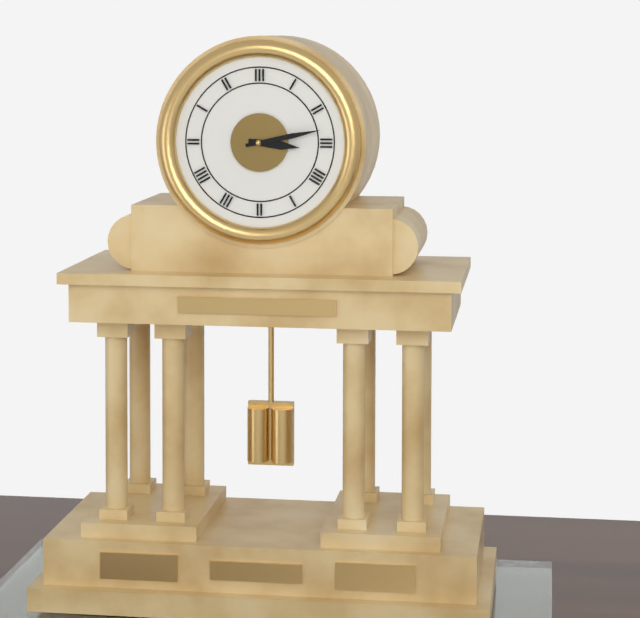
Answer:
3h13
